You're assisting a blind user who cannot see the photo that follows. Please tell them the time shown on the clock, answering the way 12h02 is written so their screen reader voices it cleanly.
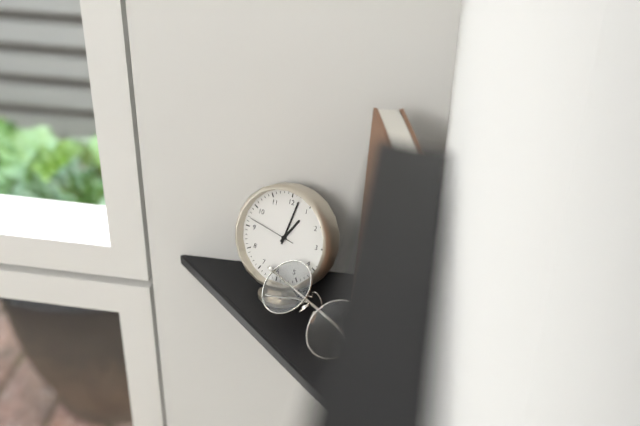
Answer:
1h02
